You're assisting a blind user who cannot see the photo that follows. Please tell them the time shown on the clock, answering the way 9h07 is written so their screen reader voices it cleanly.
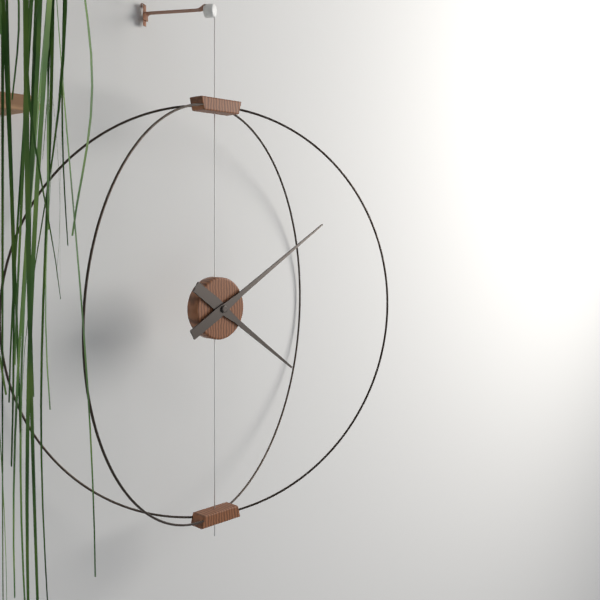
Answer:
4h10
